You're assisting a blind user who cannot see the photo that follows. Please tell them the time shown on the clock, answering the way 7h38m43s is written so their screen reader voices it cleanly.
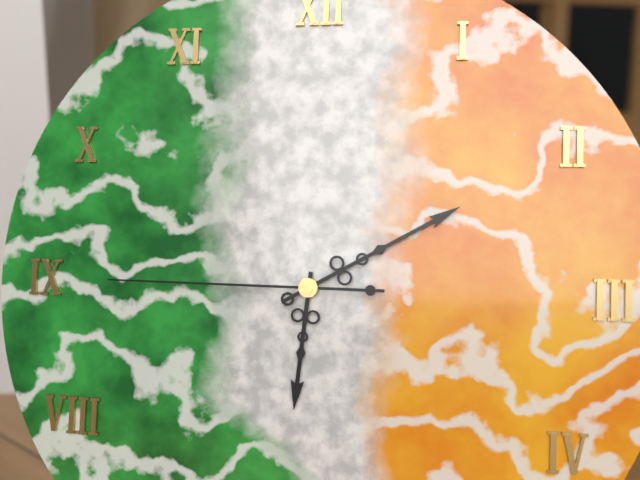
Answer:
6h10m45s
